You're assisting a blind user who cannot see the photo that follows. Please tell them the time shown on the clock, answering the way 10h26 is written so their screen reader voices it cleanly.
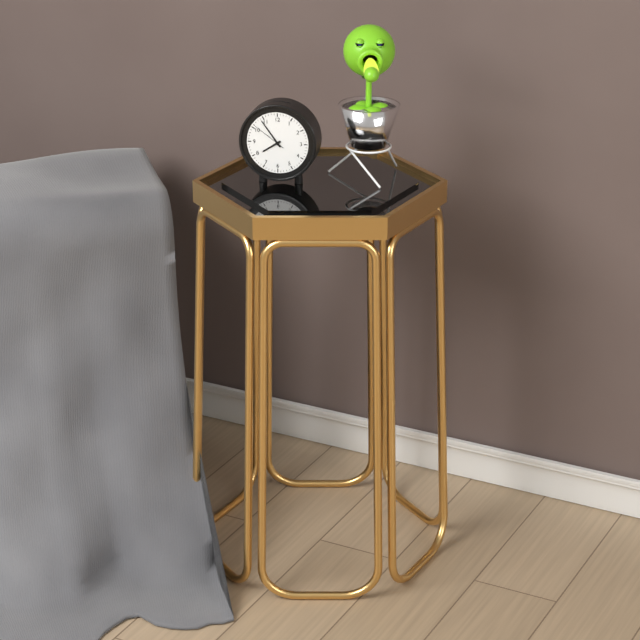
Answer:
7h54
